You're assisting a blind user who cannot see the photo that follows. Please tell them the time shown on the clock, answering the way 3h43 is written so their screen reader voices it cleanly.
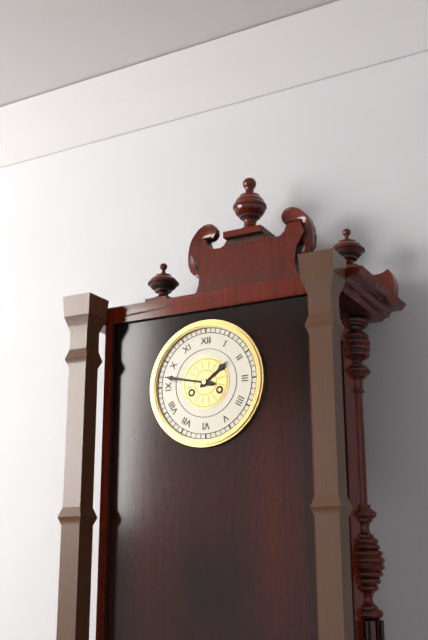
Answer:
1h47
